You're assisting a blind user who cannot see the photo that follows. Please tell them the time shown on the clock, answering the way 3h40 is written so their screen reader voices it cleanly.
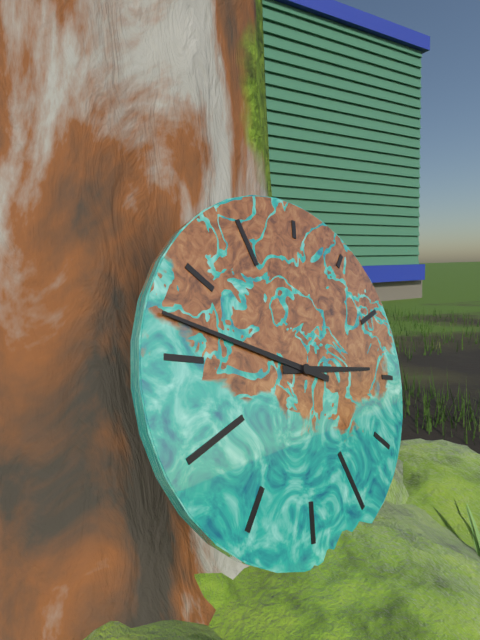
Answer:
3h52
